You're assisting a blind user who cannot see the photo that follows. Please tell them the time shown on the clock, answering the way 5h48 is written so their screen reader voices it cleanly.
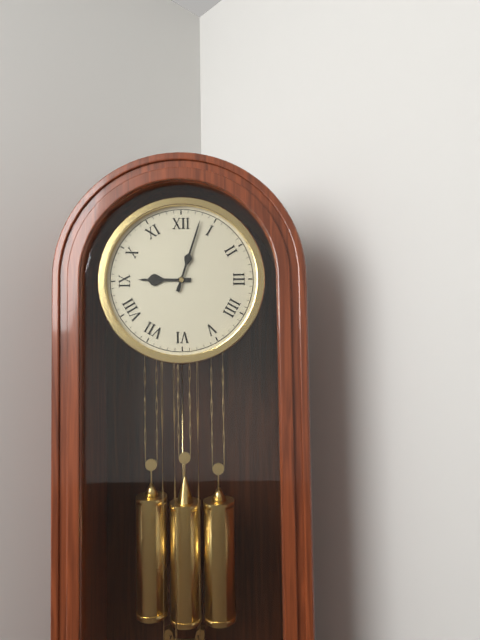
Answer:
9h03
